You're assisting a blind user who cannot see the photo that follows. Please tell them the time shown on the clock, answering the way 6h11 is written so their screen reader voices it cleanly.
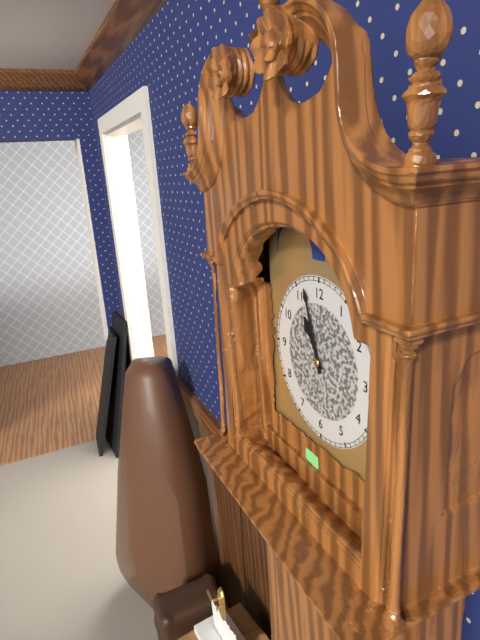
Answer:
10h57
